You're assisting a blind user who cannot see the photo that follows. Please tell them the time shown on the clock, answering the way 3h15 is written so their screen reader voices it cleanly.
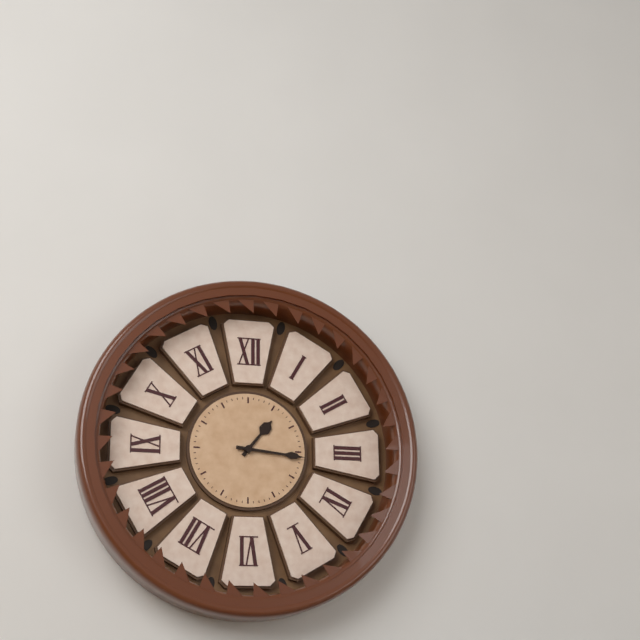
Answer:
1h16
